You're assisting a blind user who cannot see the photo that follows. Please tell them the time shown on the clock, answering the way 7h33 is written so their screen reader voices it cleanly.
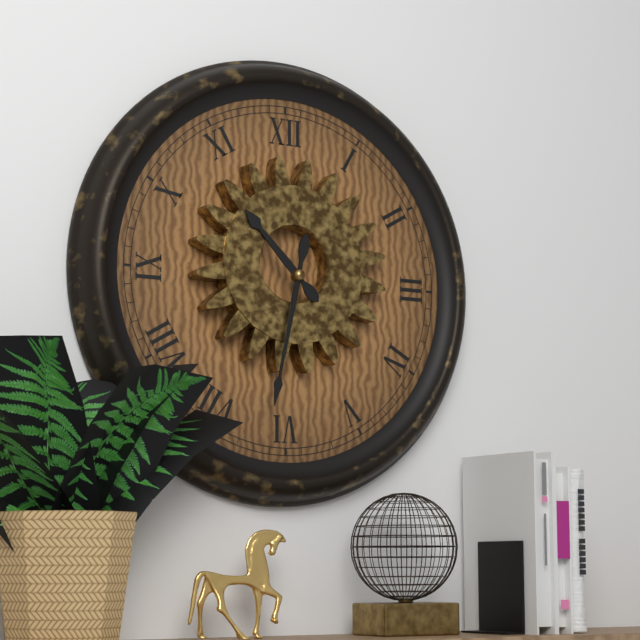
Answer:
10h32
